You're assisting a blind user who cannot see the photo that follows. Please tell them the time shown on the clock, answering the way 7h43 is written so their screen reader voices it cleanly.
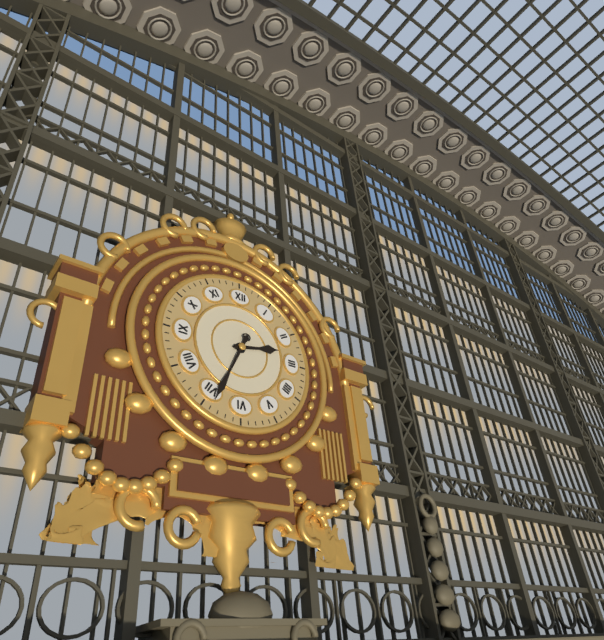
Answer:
2h34
